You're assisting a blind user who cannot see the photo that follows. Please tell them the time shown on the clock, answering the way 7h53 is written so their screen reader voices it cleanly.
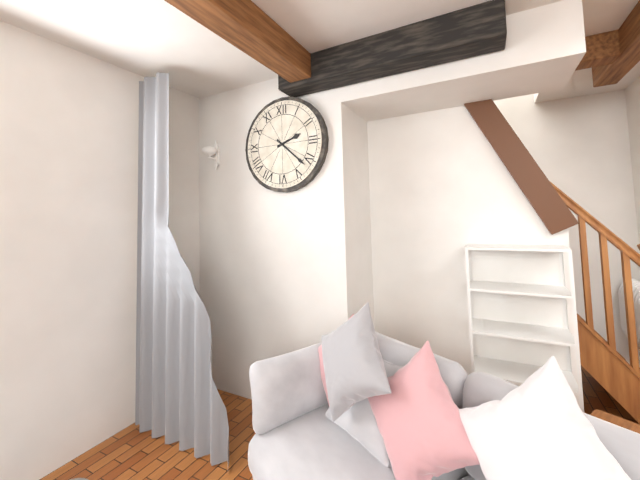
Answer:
2h22
